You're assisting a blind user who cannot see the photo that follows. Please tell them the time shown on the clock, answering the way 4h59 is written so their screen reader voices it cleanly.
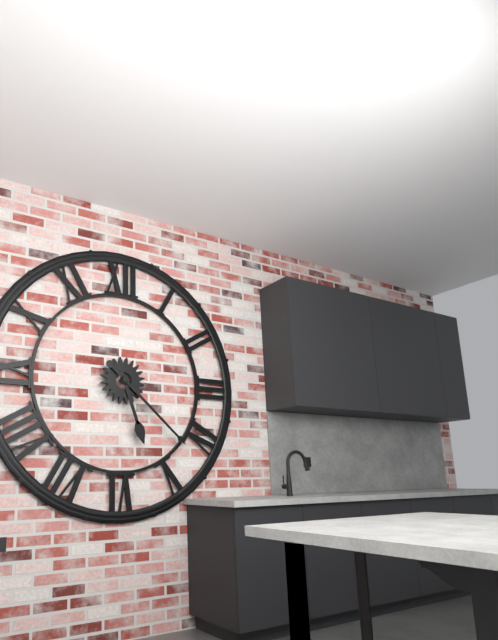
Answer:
5h22
